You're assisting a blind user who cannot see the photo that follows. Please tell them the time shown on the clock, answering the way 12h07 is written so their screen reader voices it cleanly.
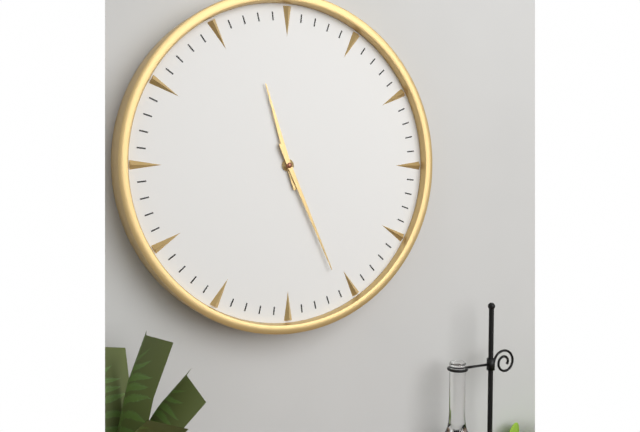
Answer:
11h26
